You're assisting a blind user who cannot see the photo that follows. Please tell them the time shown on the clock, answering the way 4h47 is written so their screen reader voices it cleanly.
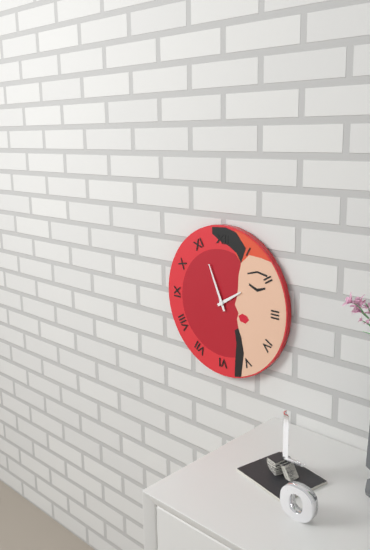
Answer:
1h56
